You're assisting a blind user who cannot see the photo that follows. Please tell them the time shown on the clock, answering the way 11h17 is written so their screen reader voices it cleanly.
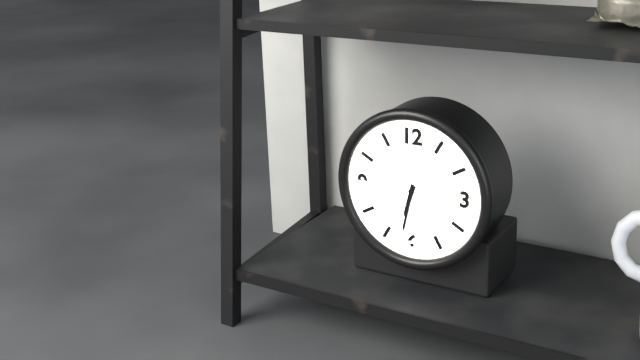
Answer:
6h32
